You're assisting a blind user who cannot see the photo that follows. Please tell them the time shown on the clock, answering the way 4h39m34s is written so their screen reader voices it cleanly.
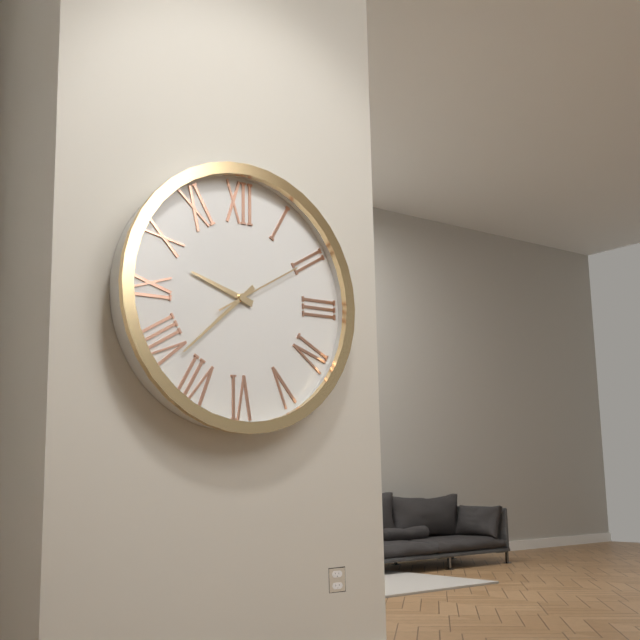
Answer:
9h38m10s
